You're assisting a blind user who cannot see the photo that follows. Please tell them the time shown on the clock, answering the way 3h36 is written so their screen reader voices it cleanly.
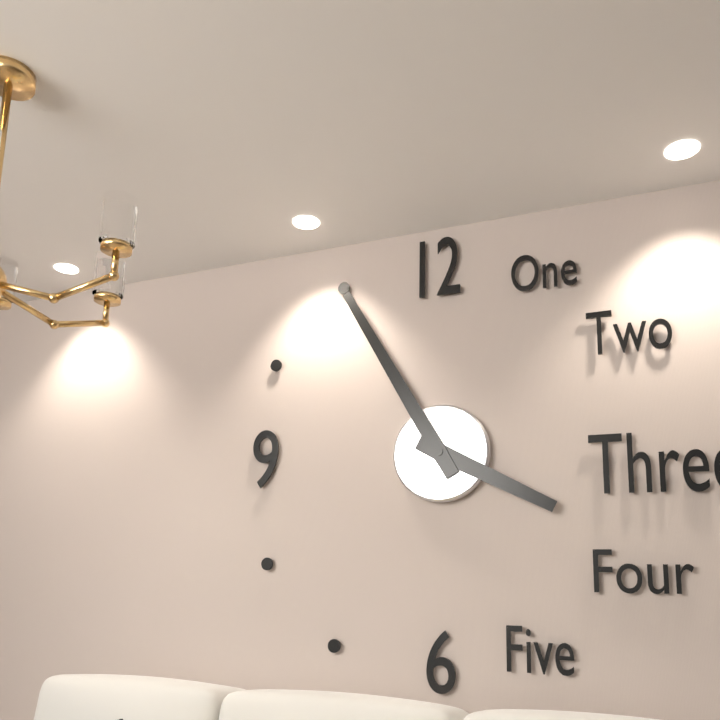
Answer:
3h55
